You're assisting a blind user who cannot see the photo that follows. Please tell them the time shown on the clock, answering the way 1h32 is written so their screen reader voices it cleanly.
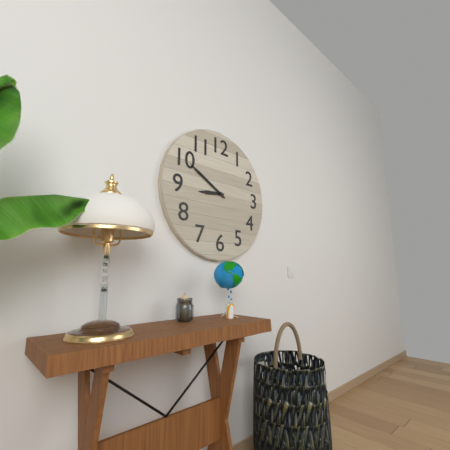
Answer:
8h50
